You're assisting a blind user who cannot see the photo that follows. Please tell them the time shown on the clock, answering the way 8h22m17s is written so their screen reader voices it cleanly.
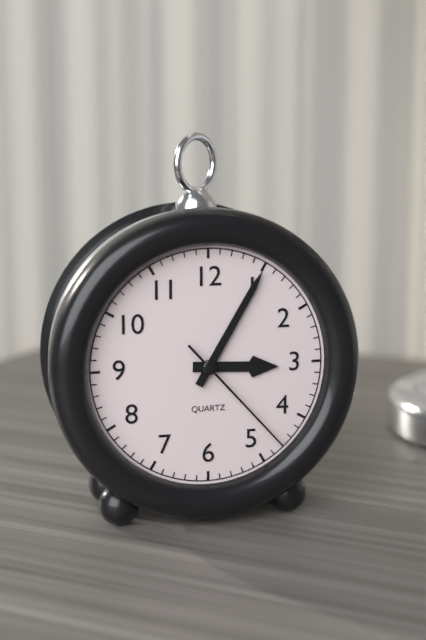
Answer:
3h05m23s
